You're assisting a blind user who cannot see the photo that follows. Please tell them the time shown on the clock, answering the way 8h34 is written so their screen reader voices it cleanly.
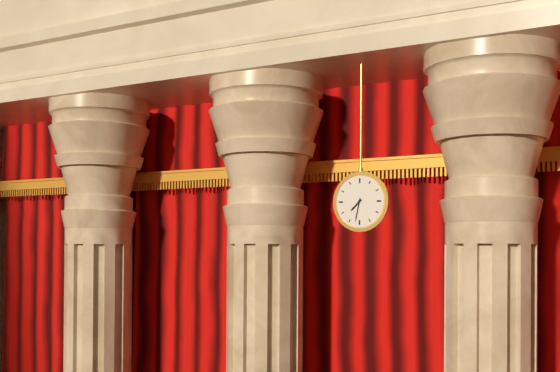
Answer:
7h32
